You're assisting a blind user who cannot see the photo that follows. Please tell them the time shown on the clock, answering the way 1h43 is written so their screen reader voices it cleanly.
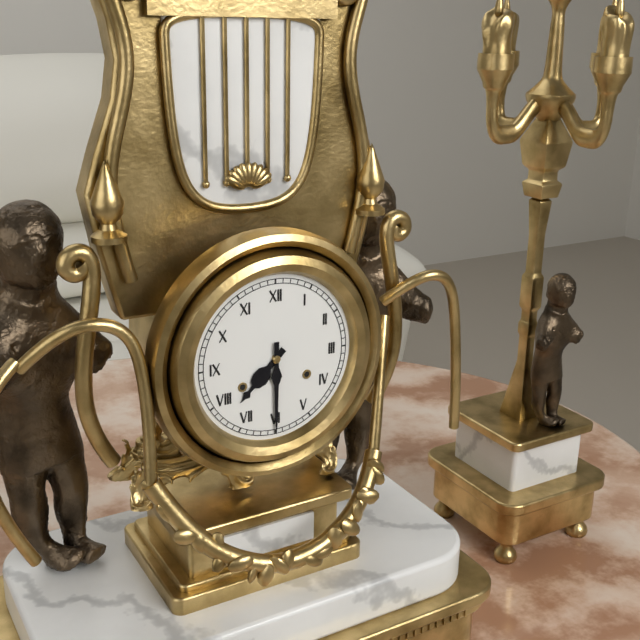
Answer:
7h30
